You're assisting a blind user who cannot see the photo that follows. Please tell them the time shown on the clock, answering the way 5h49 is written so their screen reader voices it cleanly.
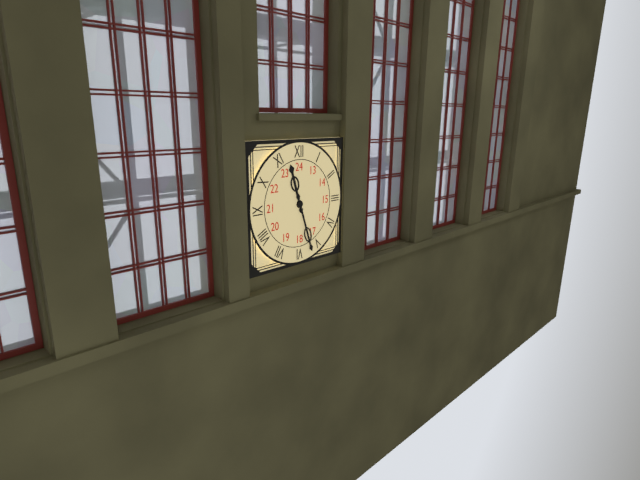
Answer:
11h27
